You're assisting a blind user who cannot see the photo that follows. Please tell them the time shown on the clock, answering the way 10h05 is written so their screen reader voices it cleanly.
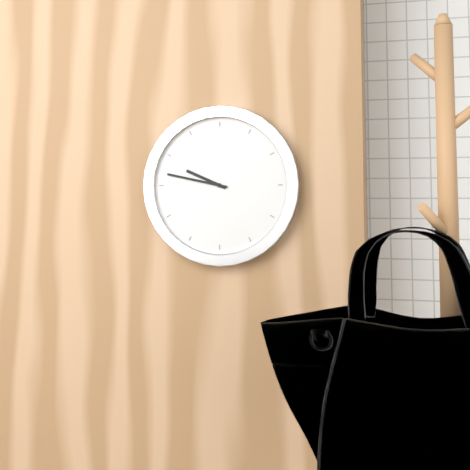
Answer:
9h47
